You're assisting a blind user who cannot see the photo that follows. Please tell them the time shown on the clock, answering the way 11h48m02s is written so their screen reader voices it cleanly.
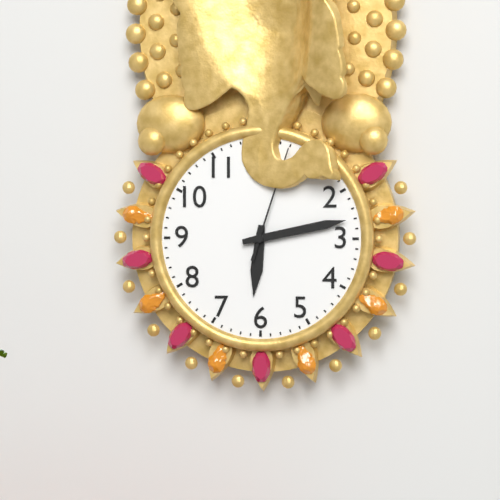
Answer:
6h13m03s
